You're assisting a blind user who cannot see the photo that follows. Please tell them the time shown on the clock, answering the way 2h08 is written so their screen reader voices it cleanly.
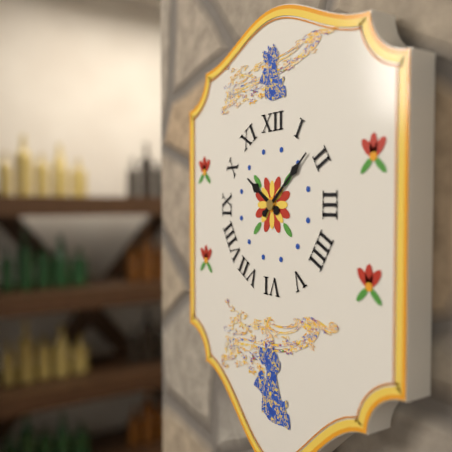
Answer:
10h08
